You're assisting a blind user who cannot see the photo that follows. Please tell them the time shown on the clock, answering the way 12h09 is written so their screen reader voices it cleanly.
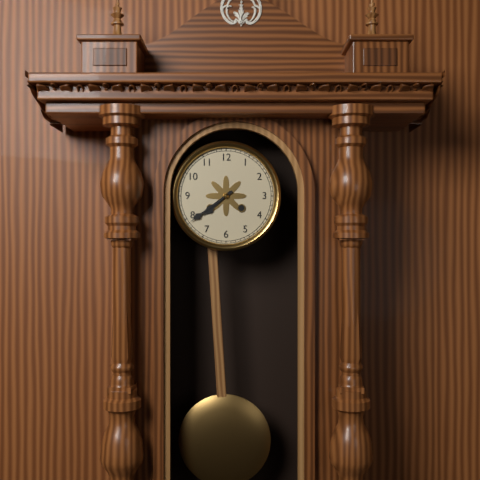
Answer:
7h39
